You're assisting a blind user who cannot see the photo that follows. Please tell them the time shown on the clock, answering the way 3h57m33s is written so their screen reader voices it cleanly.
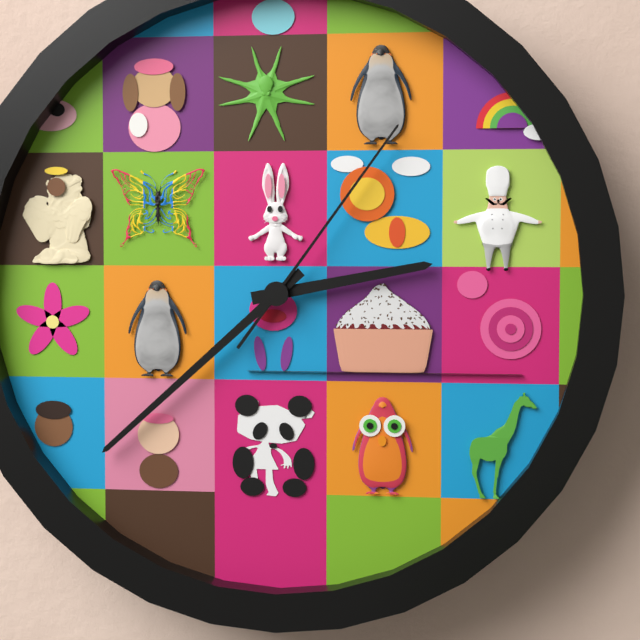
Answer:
2h38m06s
